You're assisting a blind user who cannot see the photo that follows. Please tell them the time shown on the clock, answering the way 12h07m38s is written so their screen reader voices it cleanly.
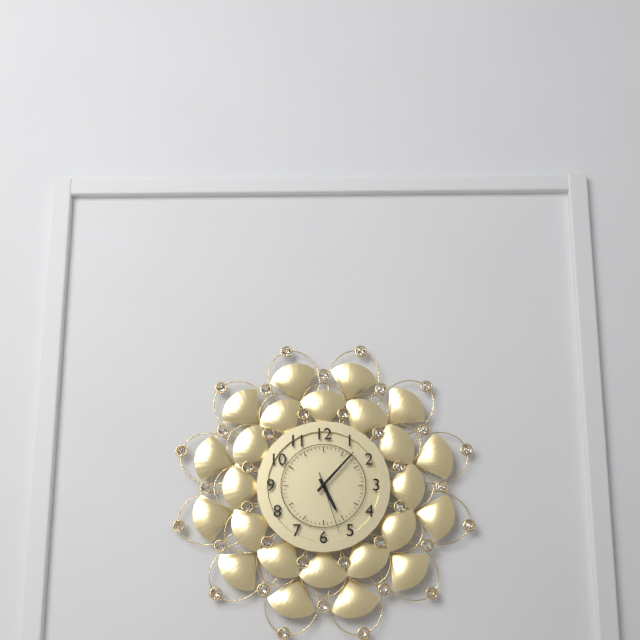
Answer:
5h07m27s
